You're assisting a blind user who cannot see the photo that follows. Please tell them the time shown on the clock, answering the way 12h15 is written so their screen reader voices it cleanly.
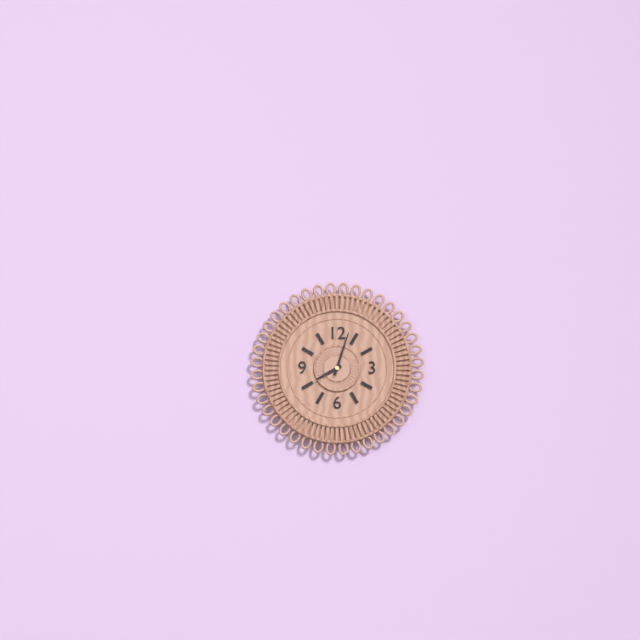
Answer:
8h03
